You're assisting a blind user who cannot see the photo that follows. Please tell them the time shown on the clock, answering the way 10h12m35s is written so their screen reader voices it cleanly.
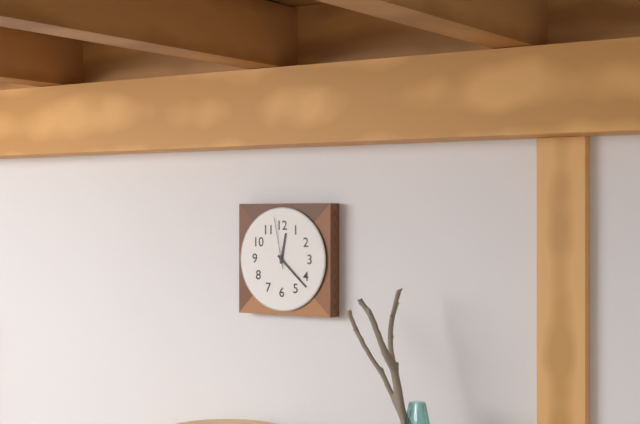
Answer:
12h22m58s
